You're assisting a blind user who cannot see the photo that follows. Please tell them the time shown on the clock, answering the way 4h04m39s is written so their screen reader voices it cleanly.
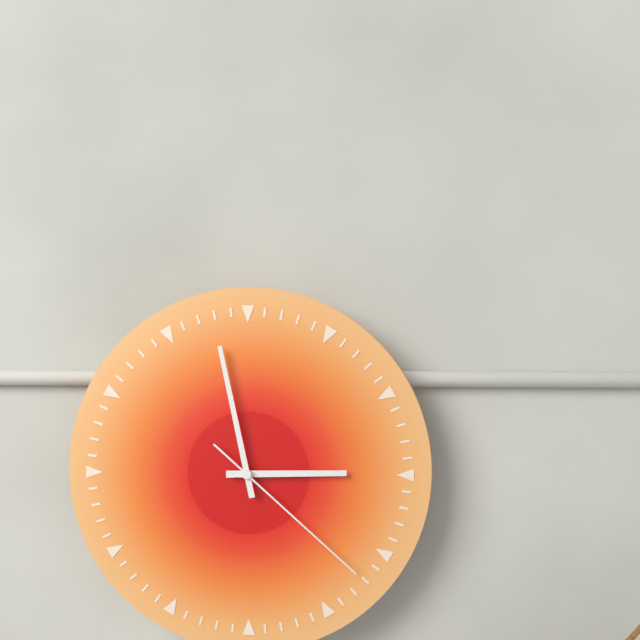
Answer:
2h58m22s
